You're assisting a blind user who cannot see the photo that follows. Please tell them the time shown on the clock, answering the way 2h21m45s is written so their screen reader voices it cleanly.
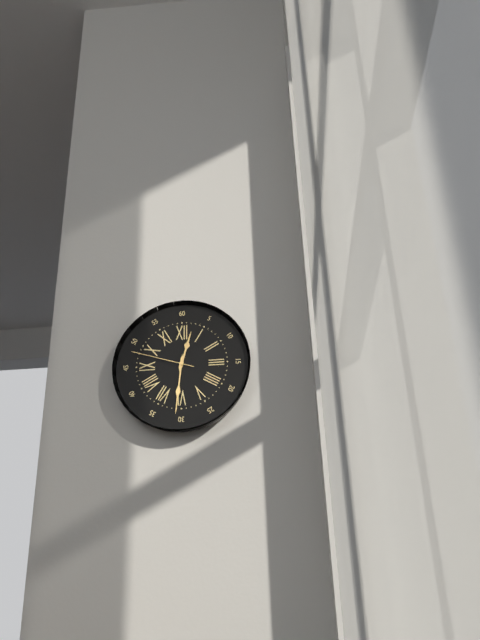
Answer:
12h31m48s
